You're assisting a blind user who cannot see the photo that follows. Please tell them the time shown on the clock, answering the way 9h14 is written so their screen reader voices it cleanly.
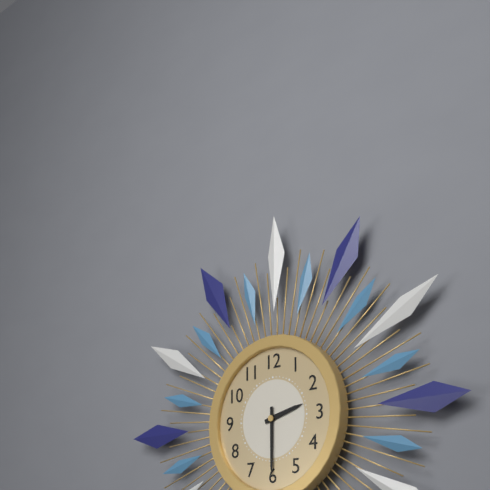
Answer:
2h30
